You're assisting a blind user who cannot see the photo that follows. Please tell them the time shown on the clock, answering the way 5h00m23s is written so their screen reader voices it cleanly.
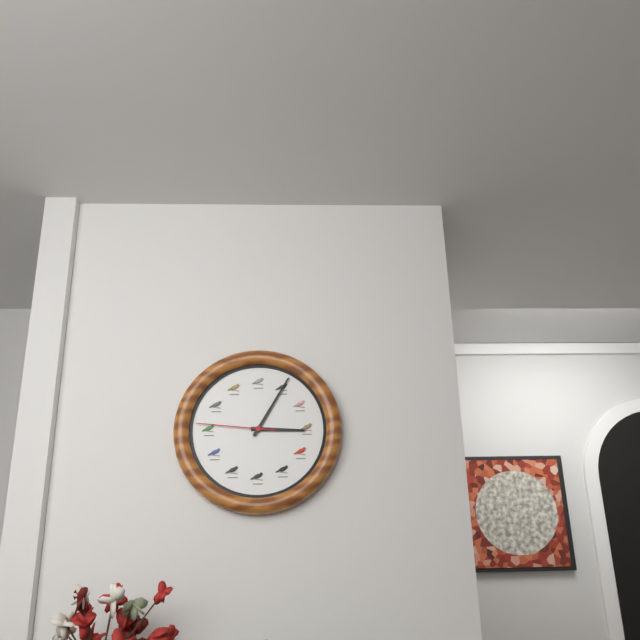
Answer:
3h05m46s
